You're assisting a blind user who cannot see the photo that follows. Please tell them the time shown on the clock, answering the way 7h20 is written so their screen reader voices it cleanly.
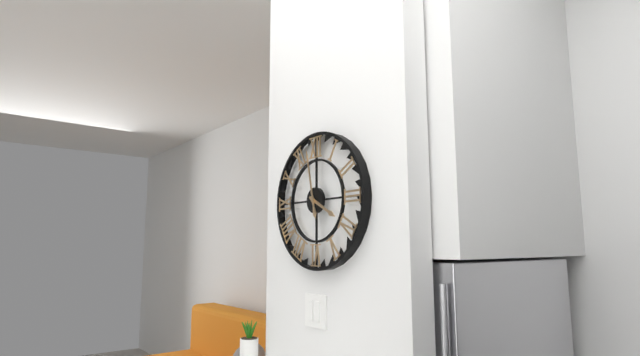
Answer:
3h58
